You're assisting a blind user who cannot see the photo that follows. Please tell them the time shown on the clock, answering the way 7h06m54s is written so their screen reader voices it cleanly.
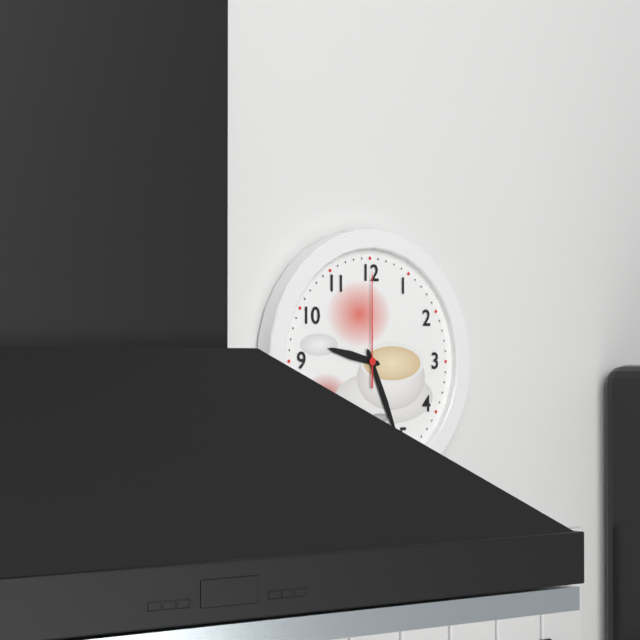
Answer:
9h26m00s
